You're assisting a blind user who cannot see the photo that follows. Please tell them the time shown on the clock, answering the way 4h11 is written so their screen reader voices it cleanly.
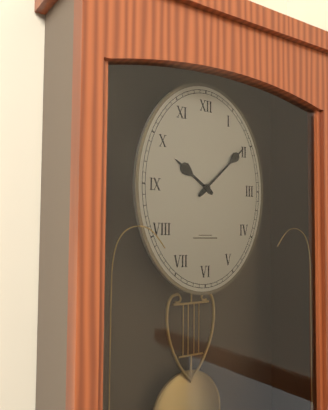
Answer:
10h08
